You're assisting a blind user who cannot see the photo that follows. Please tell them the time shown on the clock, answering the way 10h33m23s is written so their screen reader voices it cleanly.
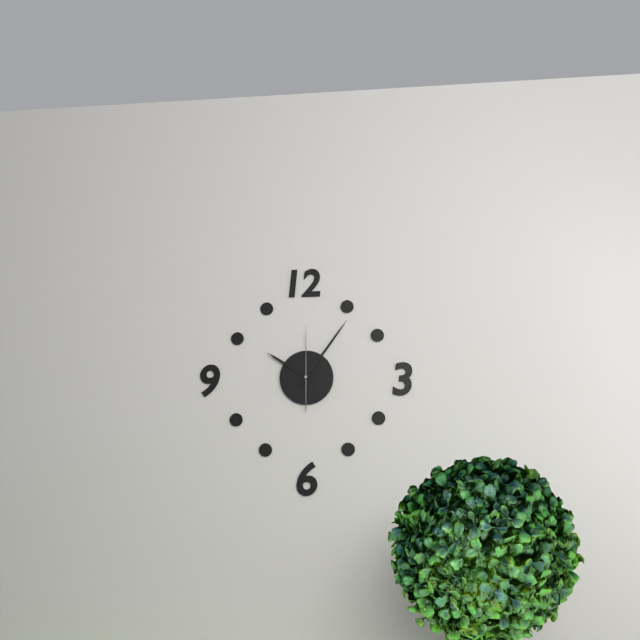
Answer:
10h06m00s
